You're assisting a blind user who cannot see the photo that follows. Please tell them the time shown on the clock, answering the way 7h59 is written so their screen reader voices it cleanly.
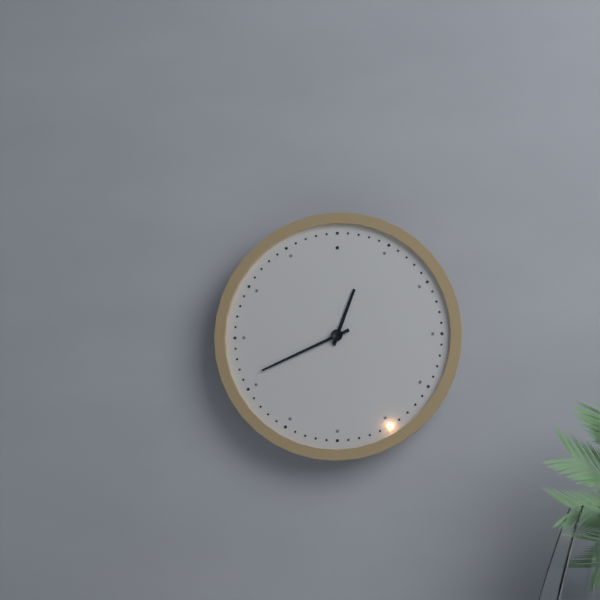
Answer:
12h41
